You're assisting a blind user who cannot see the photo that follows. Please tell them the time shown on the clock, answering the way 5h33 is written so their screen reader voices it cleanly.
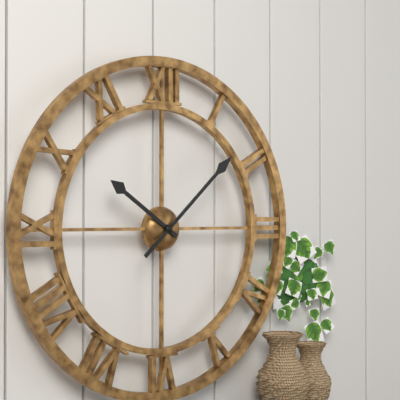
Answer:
10h08
